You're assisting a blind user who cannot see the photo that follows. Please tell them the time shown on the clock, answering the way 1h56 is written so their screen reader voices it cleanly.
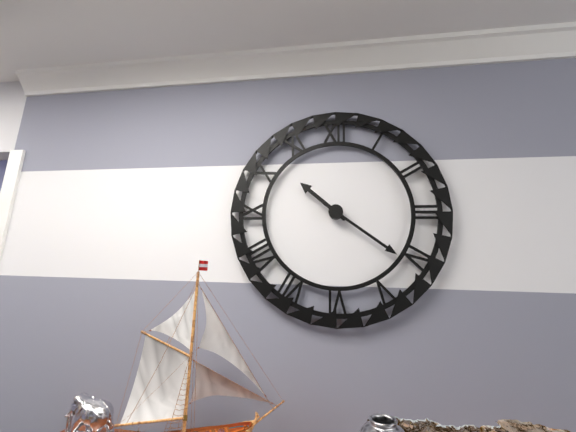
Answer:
10h21
